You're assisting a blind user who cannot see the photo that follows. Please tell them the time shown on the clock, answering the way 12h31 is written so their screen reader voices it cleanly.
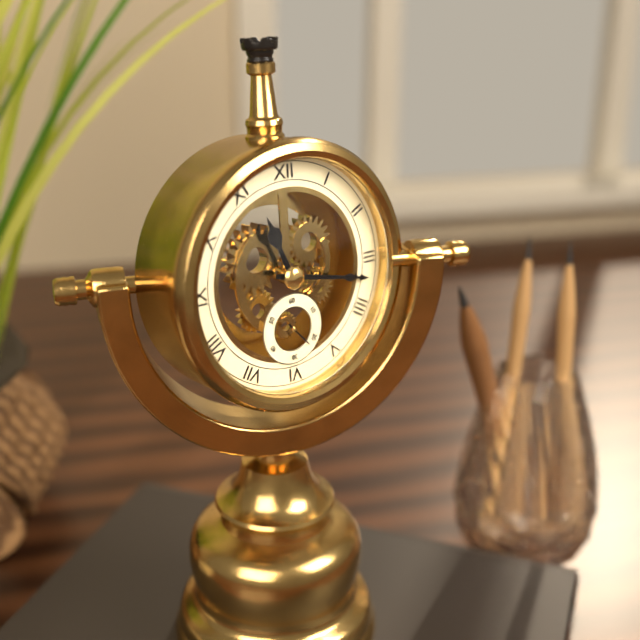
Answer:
11h17
